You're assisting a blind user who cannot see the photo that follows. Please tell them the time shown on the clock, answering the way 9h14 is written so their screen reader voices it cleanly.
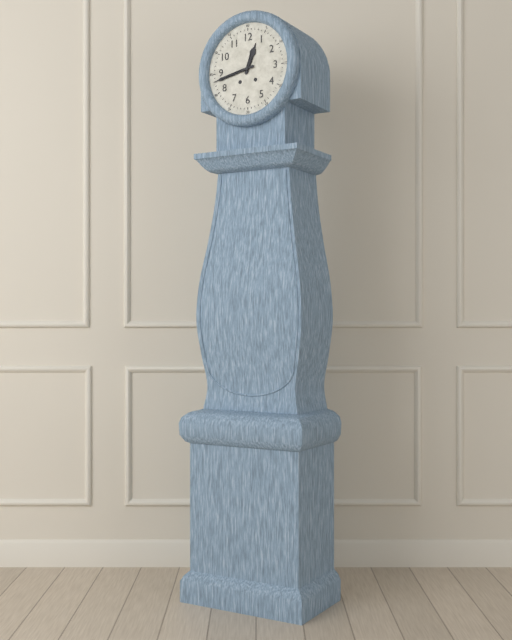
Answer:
12h43
